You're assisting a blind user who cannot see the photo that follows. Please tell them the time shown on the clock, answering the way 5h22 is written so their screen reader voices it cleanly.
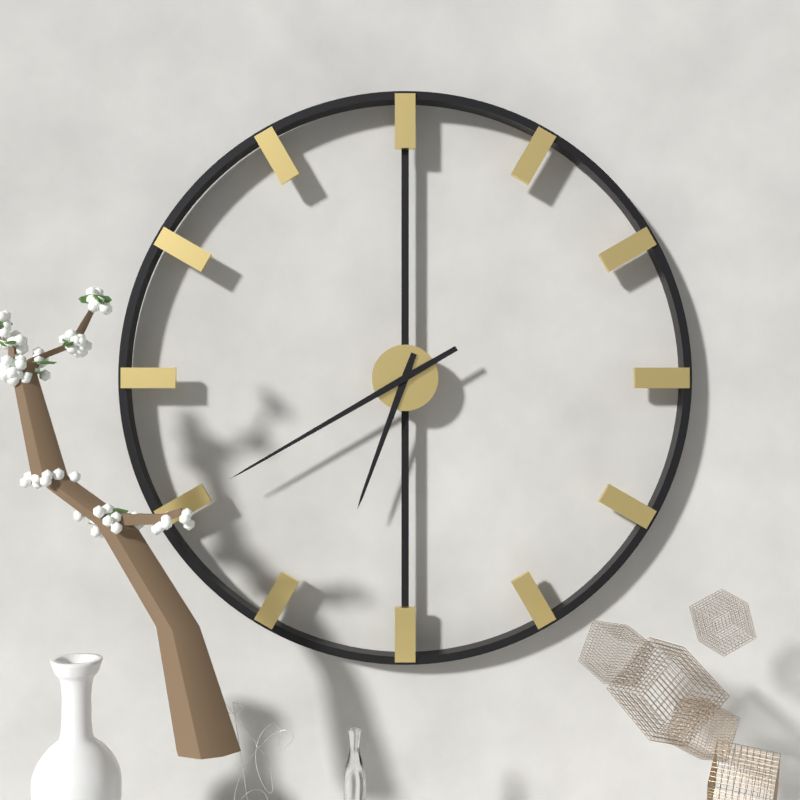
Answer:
6h40
